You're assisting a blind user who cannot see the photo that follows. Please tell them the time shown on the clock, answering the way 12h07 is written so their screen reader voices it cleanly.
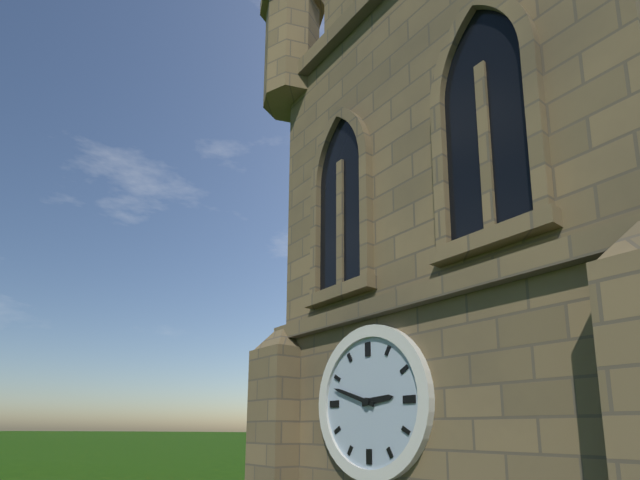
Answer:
2h48
